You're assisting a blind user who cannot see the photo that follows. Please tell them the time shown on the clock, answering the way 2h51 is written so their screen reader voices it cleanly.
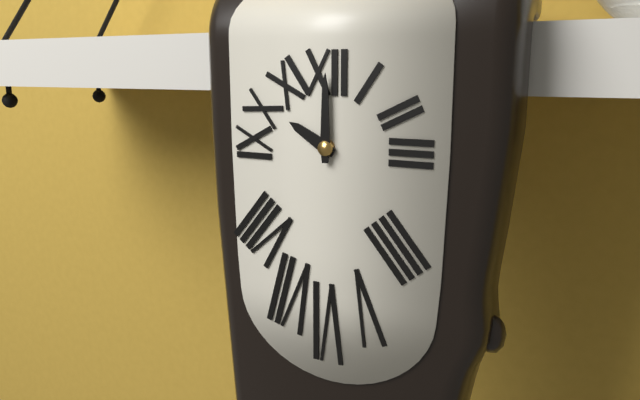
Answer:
10h00
